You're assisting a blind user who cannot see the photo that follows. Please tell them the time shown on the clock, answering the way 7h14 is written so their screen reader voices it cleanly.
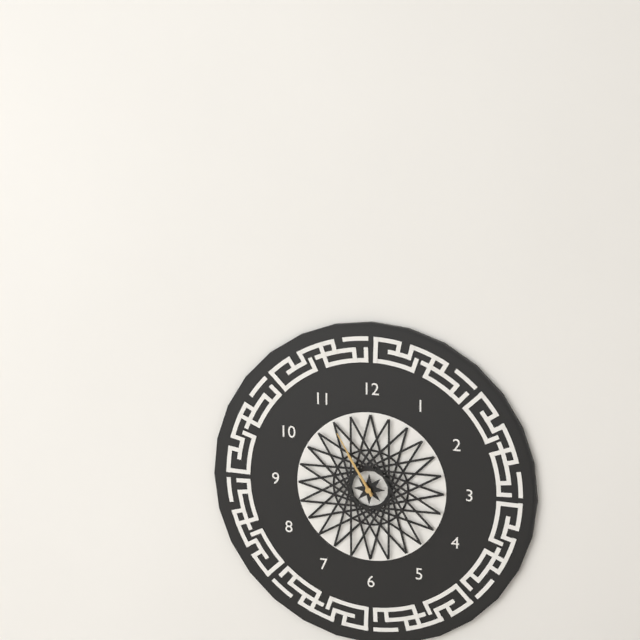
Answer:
10h55
